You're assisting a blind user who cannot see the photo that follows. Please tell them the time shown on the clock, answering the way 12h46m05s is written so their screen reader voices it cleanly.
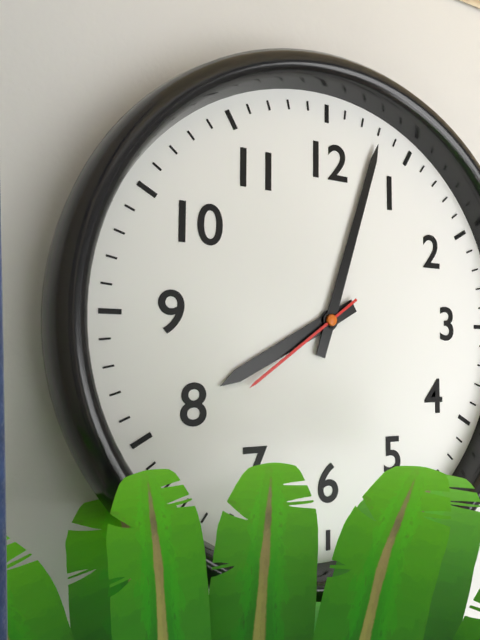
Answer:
8h03m39s
